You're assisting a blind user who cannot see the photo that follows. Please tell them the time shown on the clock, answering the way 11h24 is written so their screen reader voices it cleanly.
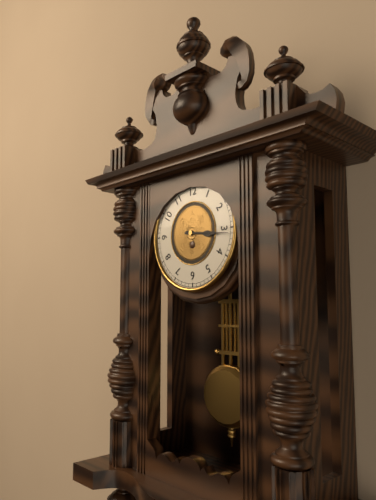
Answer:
3h16
